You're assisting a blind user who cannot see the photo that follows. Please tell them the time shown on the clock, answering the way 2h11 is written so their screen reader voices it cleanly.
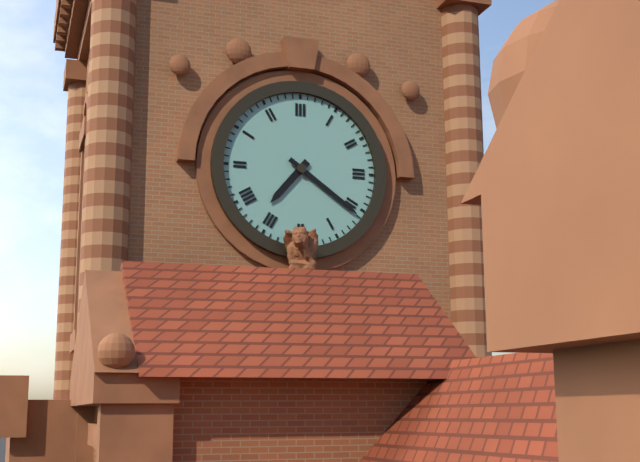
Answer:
7h21
